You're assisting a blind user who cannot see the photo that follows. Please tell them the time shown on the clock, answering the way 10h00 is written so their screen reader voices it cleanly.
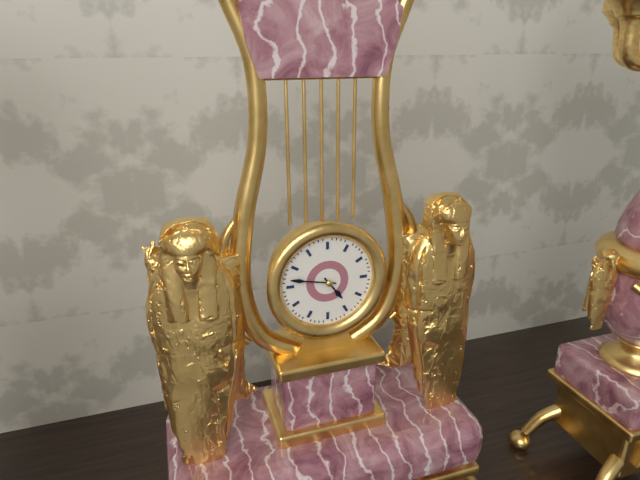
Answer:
4h47
